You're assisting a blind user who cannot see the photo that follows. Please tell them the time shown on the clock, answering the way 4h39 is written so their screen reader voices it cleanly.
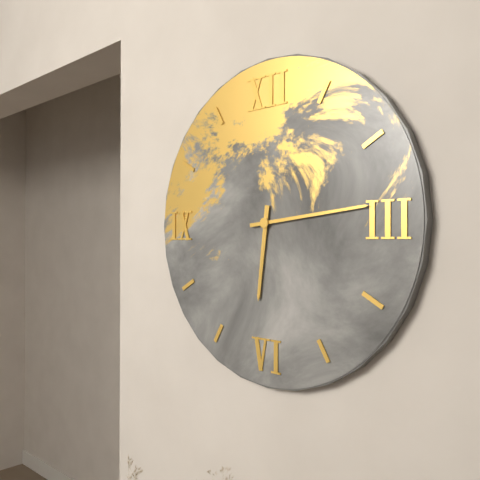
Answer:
6h14
